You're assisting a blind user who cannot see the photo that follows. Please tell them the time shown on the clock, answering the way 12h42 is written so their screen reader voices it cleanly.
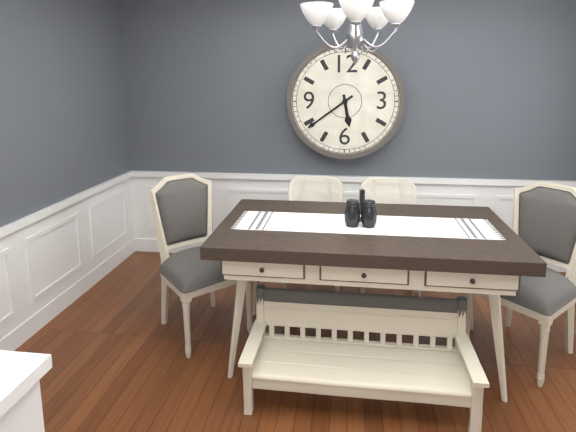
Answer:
5h39
